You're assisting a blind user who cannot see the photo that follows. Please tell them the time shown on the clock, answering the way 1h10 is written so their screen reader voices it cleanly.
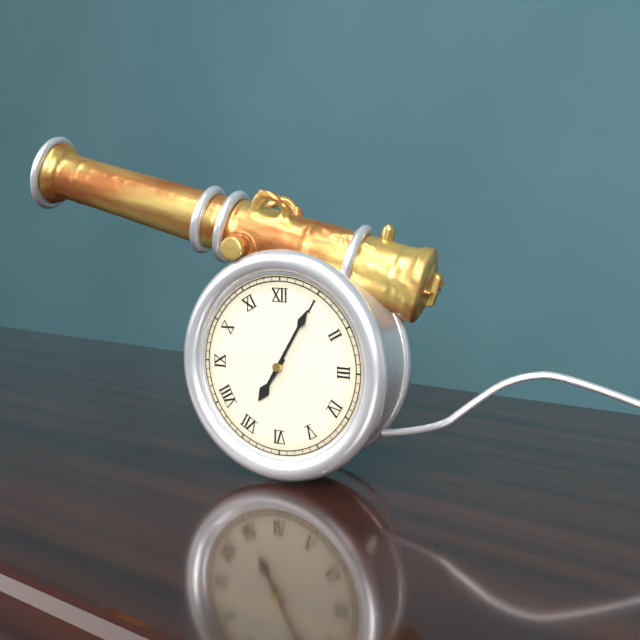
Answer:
7h05
